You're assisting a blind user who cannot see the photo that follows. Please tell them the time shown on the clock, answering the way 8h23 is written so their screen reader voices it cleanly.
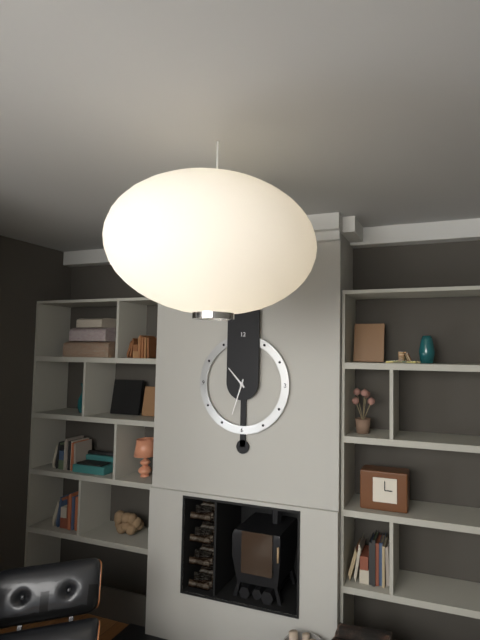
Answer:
10h33
